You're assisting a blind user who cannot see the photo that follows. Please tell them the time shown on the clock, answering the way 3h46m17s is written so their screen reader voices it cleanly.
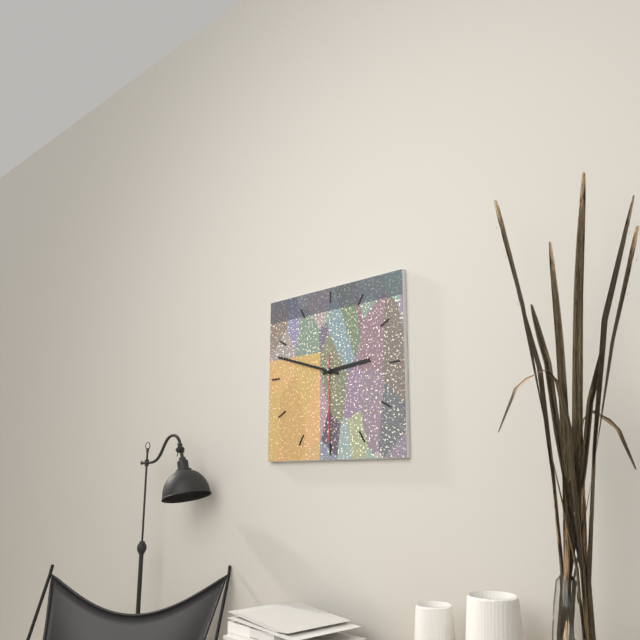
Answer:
2h48m30s
